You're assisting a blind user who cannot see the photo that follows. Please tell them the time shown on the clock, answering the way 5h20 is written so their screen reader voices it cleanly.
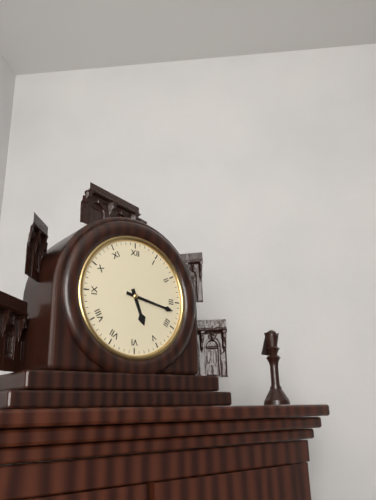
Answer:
5h17
